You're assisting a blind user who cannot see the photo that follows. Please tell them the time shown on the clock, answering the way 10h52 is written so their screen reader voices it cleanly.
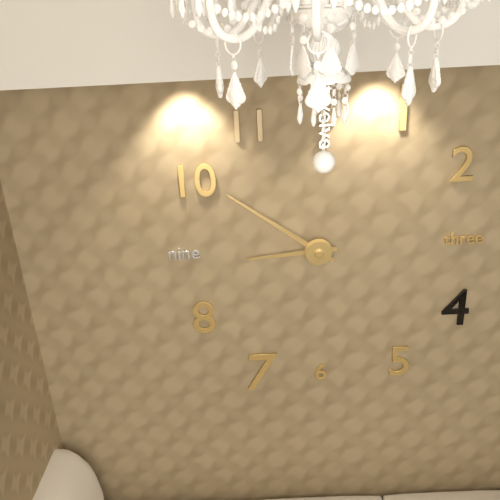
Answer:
8h51
